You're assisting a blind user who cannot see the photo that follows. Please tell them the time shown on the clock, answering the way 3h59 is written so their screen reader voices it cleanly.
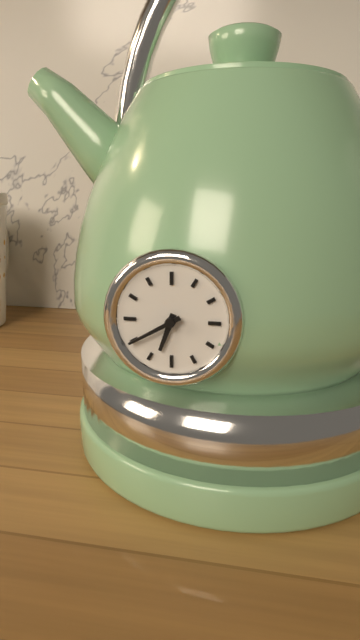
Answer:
6h40
